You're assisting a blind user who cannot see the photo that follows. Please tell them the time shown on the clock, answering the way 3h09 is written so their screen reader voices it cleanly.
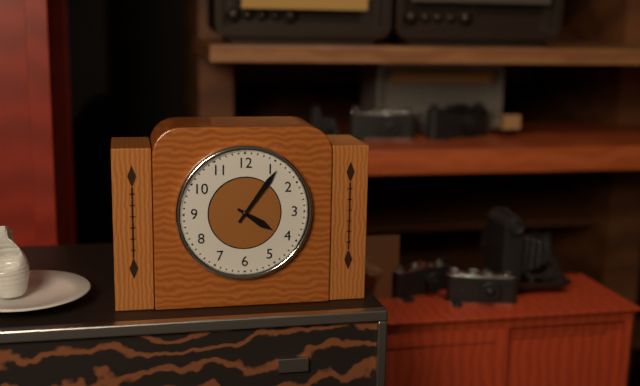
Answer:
4h06
